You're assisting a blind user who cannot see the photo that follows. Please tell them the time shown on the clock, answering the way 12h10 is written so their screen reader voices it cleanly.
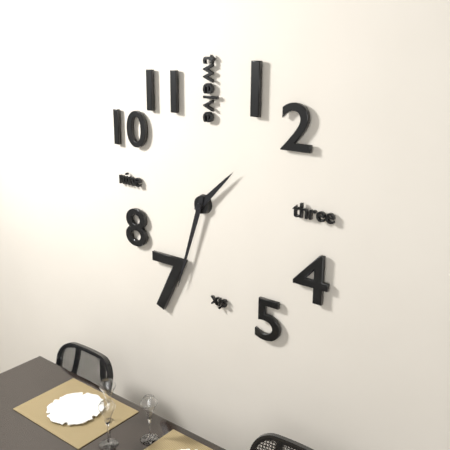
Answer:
1h33
